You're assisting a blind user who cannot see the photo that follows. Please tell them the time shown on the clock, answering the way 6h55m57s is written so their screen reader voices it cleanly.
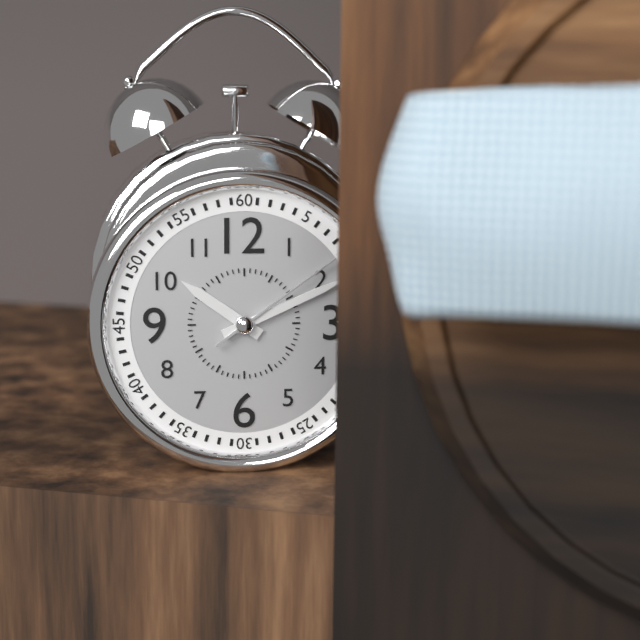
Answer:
10h11m09s
